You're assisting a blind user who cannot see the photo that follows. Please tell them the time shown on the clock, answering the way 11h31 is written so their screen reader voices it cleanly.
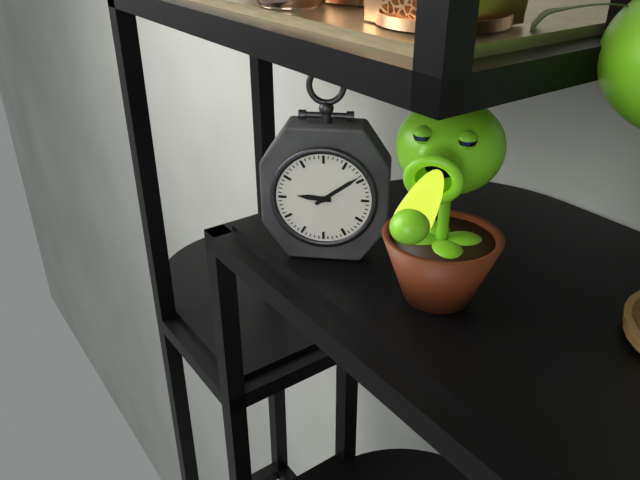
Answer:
9h09
